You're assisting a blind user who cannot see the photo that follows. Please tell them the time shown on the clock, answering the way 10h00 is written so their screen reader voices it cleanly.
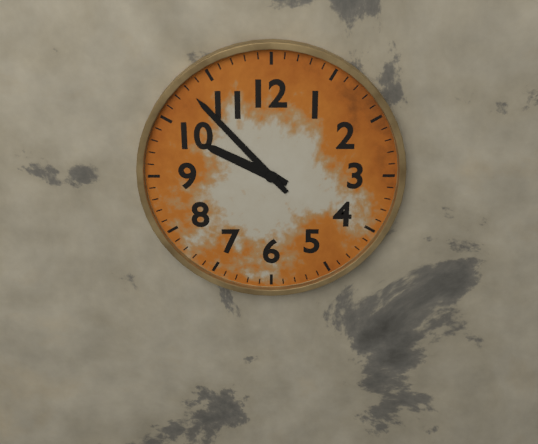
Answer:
9h53
